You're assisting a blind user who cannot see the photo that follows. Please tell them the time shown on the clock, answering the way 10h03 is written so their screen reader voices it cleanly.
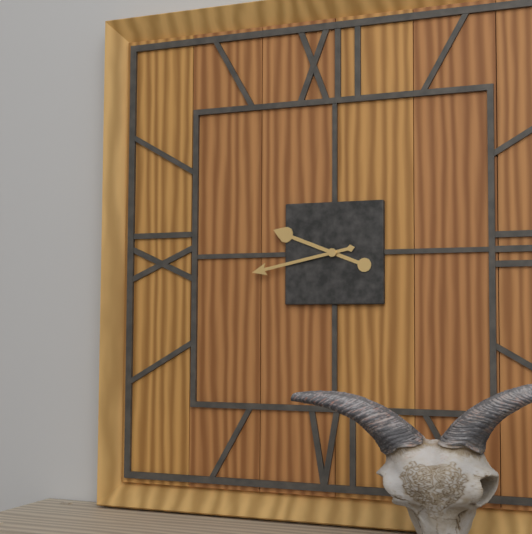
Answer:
9h43
